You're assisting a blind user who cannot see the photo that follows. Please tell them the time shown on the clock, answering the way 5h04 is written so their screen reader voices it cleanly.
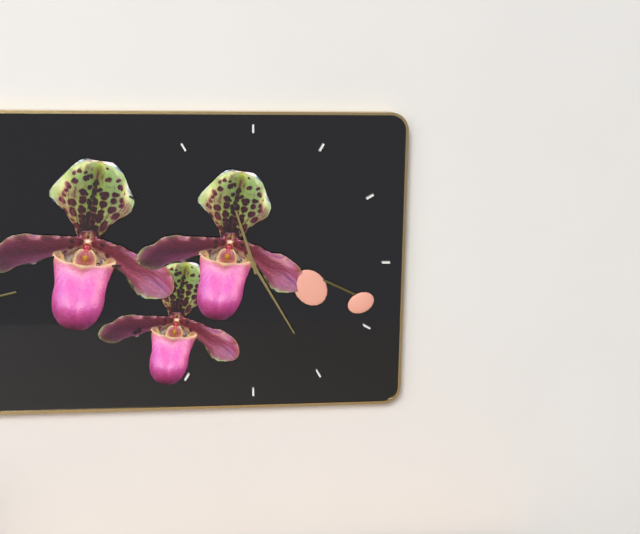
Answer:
11h25
